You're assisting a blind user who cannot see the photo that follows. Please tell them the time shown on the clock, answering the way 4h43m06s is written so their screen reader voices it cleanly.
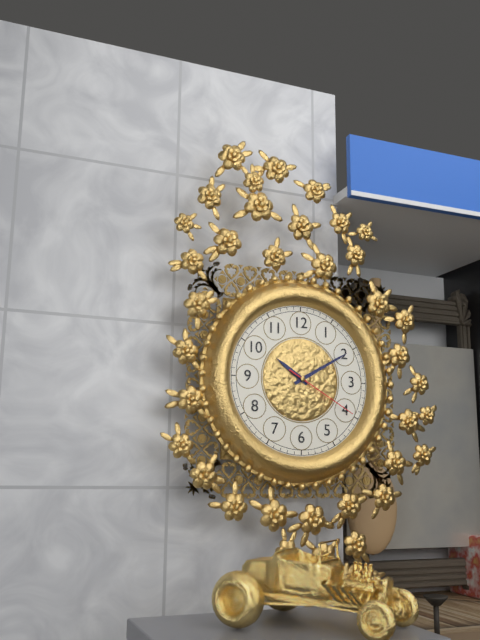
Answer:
10h10m20s
